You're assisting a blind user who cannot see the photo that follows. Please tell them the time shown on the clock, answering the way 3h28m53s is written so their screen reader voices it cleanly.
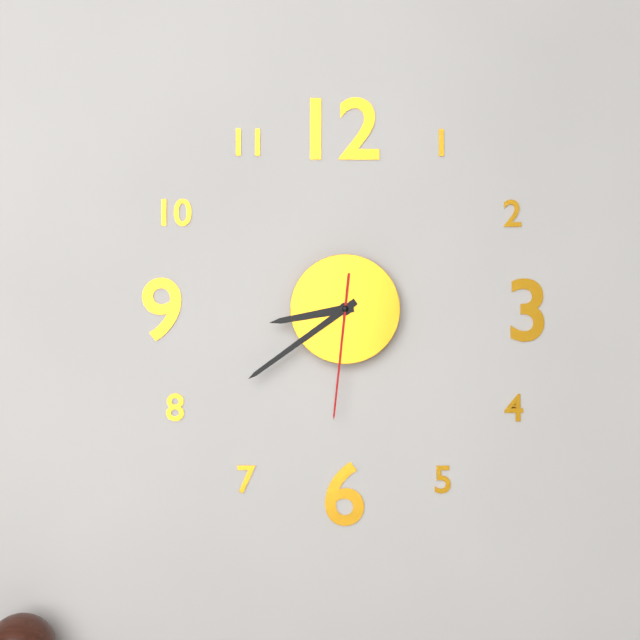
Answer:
8h39m31s
